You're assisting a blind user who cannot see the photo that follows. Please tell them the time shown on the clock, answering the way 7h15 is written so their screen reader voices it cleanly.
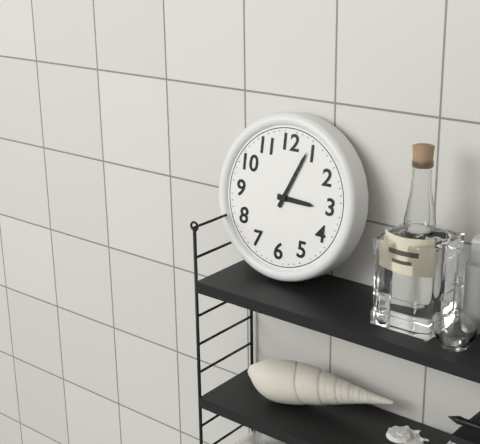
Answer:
3h04
